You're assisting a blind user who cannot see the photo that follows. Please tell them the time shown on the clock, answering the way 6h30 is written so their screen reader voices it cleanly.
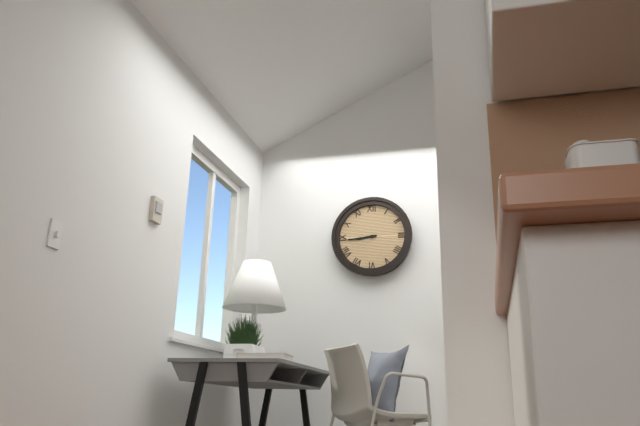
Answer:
8h44
